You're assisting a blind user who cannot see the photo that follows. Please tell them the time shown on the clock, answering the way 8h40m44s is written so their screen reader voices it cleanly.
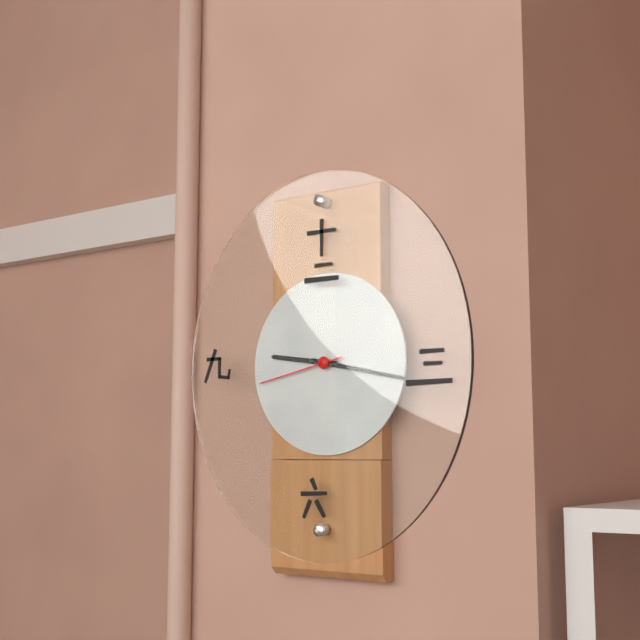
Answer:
9h17m43s
